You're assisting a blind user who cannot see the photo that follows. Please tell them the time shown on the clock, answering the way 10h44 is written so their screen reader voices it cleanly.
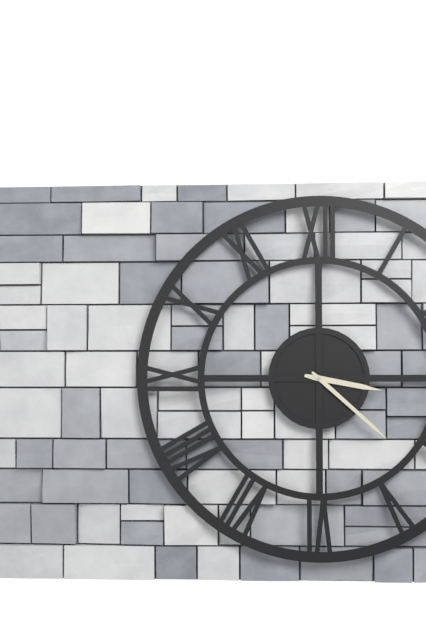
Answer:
3h22
